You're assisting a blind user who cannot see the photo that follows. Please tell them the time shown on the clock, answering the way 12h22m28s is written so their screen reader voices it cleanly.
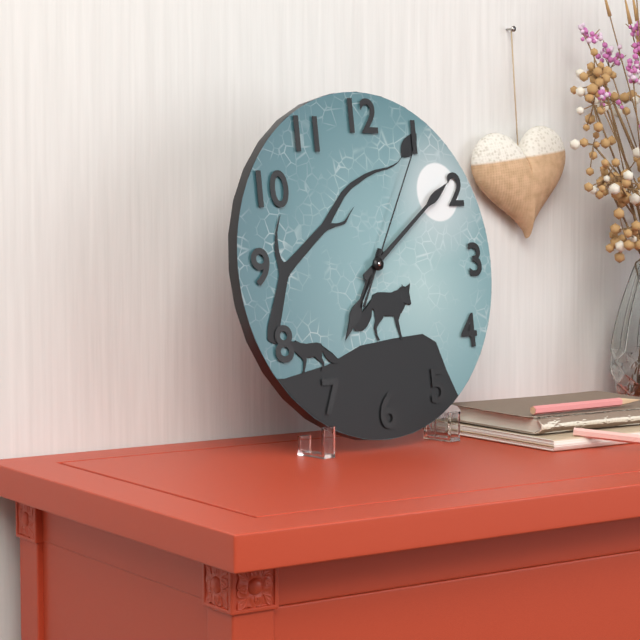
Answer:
7h09m05s
